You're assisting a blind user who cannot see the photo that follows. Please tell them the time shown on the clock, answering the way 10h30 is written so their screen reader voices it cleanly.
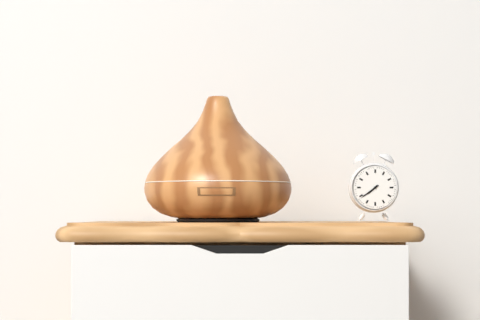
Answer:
7h39
